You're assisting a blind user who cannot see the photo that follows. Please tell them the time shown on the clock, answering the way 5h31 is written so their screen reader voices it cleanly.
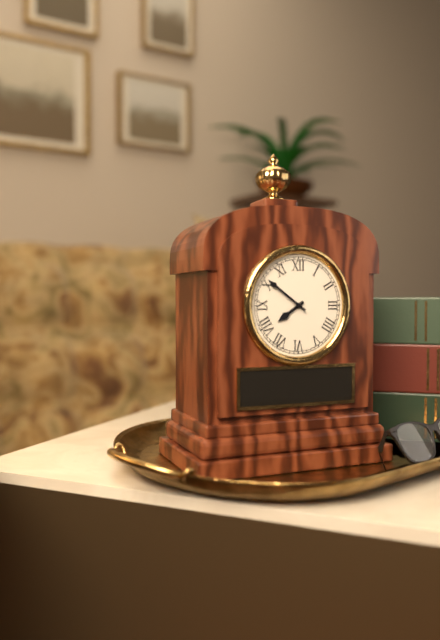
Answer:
7h51
